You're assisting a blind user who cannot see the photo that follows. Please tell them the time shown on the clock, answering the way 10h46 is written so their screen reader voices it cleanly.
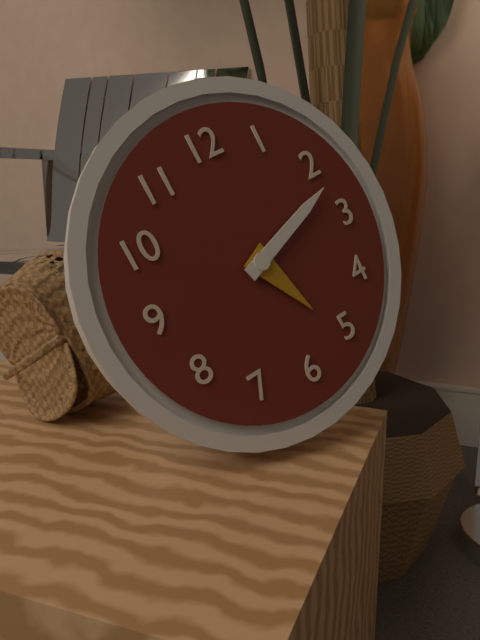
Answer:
5h12
